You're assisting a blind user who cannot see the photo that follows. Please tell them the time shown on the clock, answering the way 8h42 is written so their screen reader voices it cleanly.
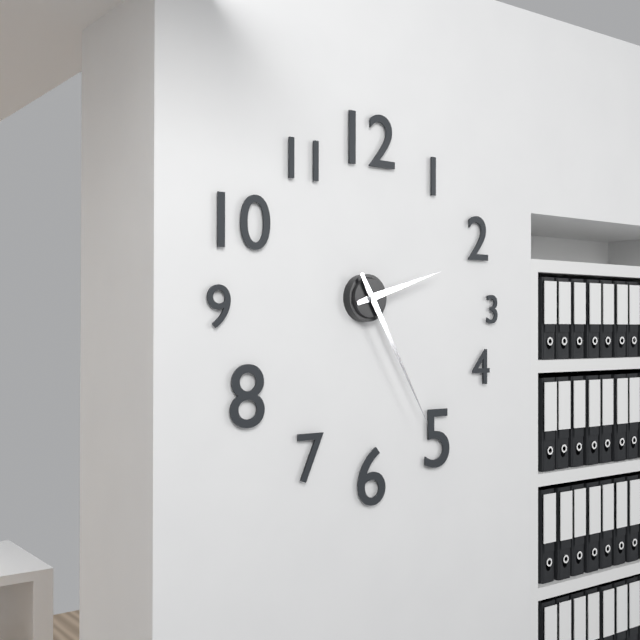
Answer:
2h25
